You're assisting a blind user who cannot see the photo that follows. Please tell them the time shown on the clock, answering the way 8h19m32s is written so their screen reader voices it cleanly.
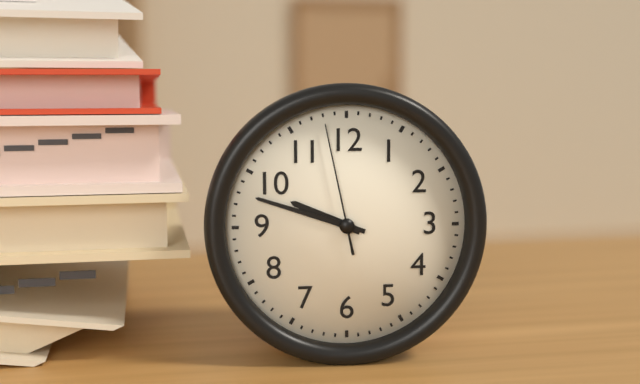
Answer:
9h48m58s
